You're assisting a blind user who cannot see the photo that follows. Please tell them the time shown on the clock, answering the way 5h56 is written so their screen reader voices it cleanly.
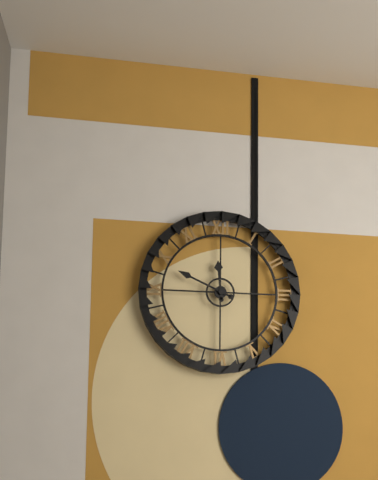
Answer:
11h49
